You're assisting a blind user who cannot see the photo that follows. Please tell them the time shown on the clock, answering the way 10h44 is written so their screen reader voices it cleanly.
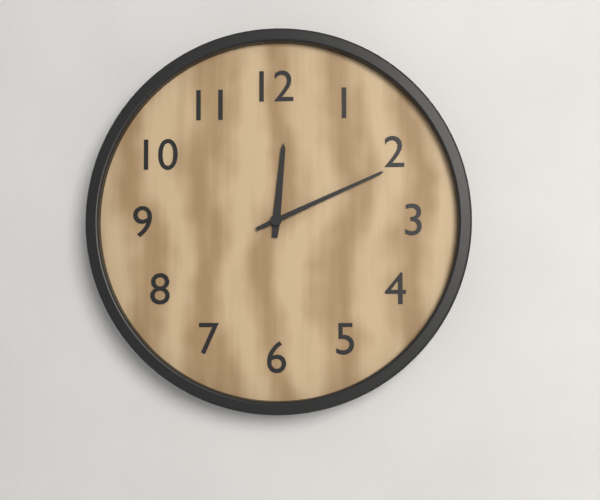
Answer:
12h11
